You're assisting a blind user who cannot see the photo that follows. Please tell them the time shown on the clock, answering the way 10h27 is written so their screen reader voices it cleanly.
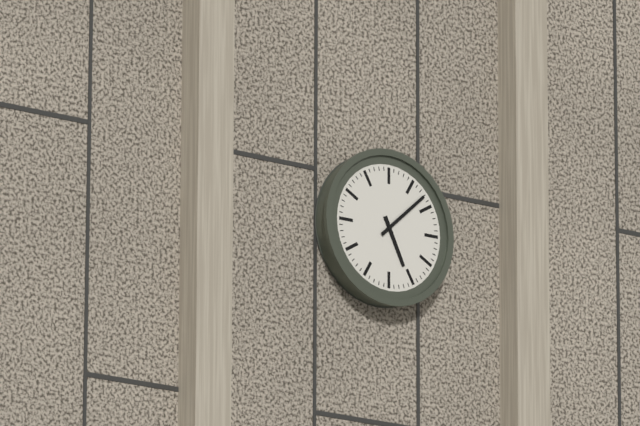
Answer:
5h08
